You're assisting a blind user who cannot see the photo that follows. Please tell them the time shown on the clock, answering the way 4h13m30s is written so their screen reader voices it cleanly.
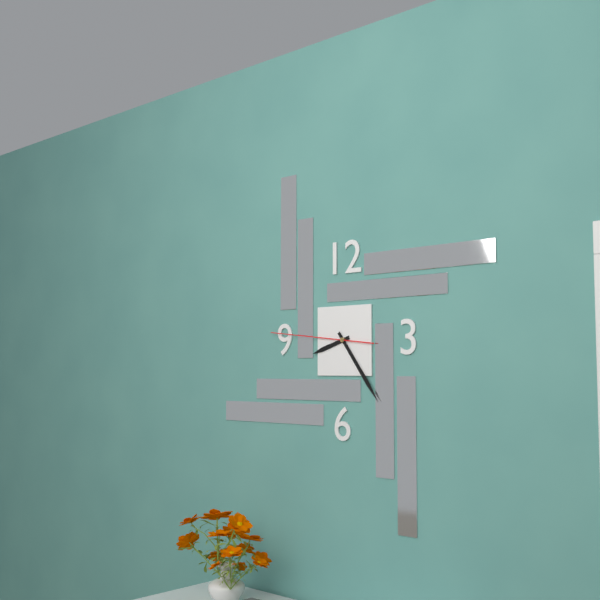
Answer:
8h24m46s
